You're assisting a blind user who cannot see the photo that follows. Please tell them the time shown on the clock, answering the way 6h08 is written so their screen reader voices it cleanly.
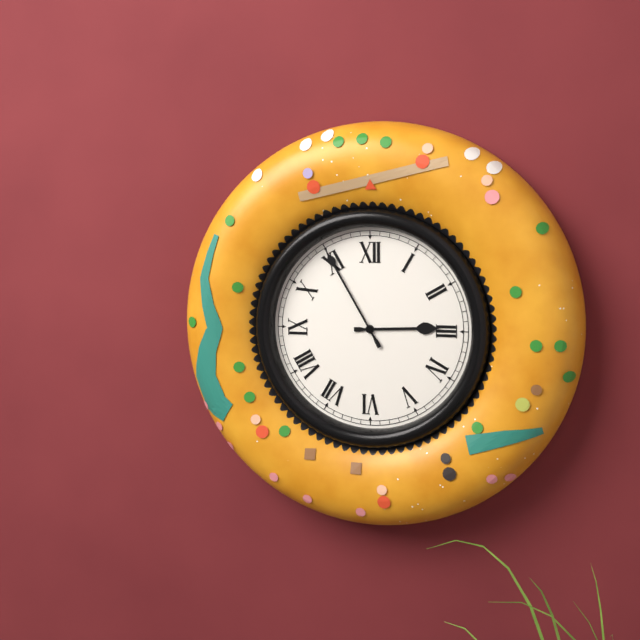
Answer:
2h55
